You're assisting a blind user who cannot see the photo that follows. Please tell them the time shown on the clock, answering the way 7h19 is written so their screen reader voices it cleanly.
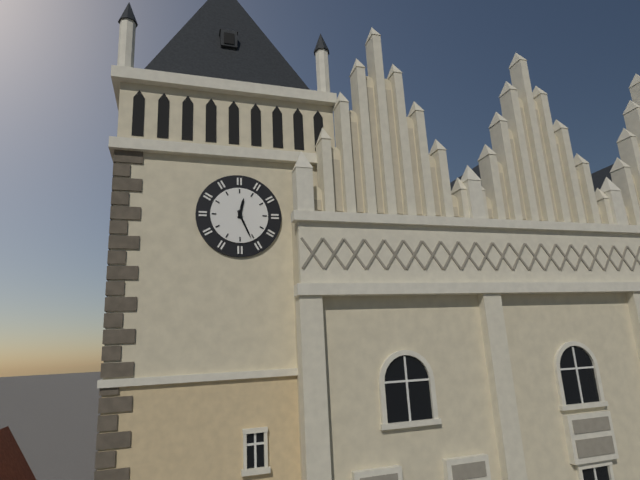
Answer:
12h26
